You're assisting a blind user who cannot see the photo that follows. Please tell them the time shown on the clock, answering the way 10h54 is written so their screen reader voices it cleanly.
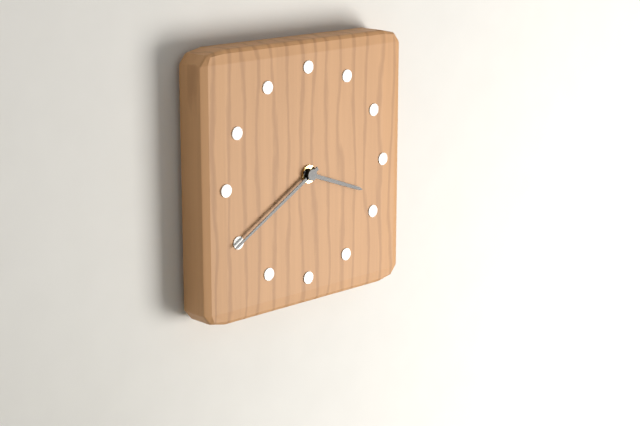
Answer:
3h40
